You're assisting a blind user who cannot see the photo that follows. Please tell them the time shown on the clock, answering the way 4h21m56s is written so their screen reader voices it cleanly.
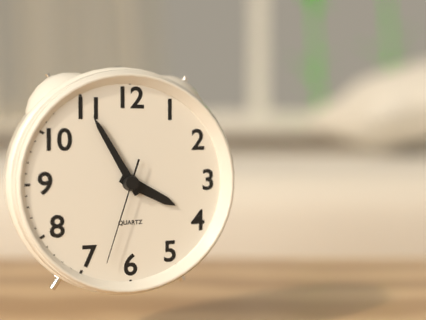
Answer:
3h55m33s
